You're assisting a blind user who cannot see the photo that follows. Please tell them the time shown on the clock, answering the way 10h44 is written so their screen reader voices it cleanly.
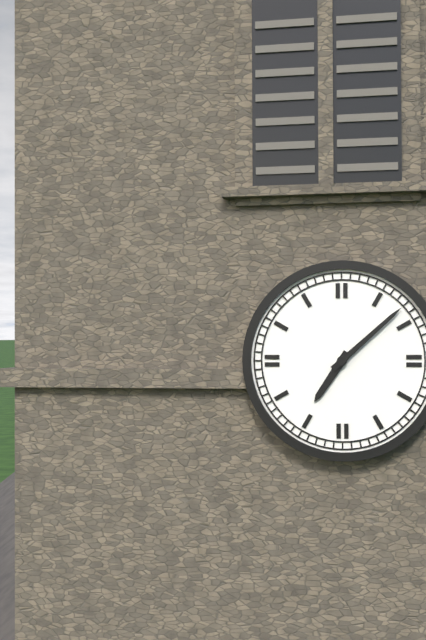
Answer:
7h08
